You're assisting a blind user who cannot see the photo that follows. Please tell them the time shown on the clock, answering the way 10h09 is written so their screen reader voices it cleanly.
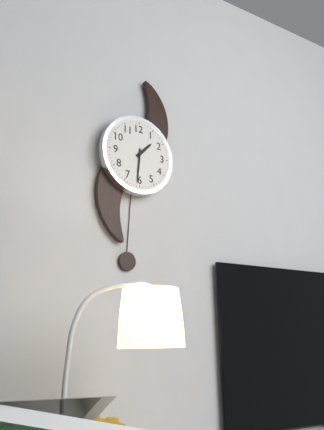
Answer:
1h31
